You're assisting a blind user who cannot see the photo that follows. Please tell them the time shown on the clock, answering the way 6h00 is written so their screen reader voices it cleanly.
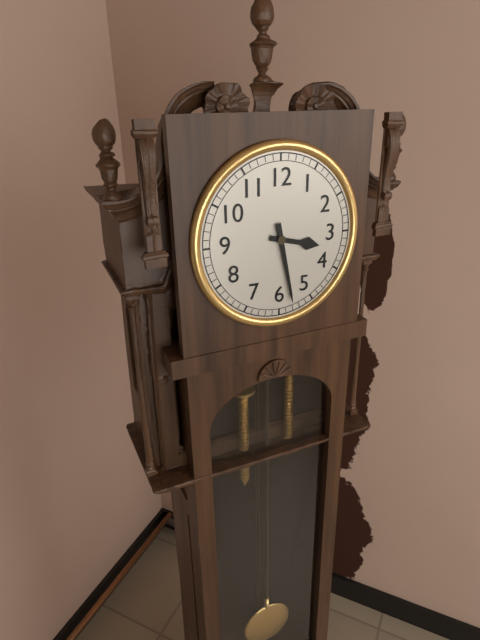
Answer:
3h28
